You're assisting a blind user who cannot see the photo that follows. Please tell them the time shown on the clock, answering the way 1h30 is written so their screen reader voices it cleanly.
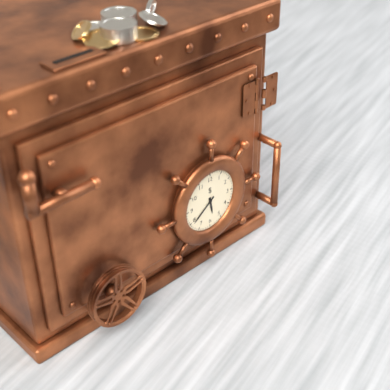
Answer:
5h39
